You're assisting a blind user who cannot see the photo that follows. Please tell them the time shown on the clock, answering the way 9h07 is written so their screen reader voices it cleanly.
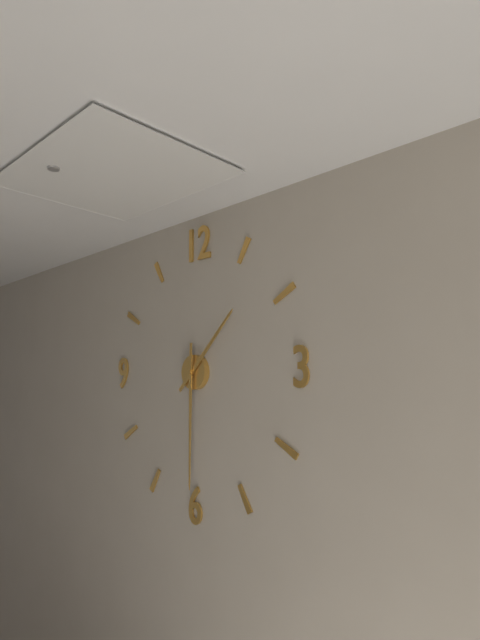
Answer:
1h30
